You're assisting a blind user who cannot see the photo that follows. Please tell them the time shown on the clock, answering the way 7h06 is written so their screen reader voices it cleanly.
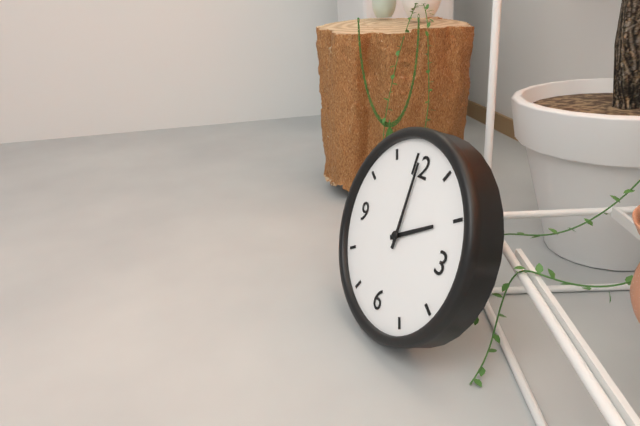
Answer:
2h00
